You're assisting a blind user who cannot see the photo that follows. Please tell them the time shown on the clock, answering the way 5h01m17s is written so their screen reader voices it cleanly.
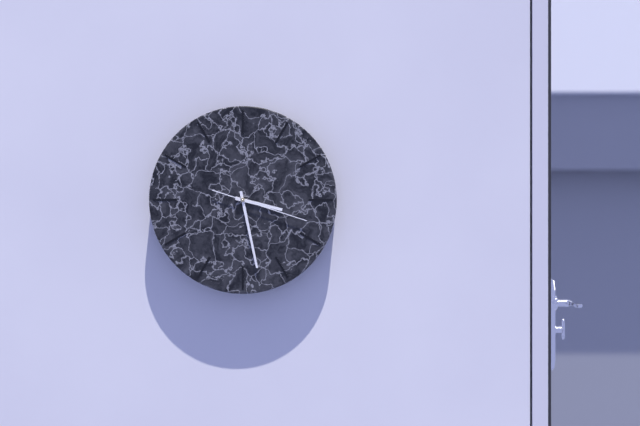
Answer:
3h28m18s
